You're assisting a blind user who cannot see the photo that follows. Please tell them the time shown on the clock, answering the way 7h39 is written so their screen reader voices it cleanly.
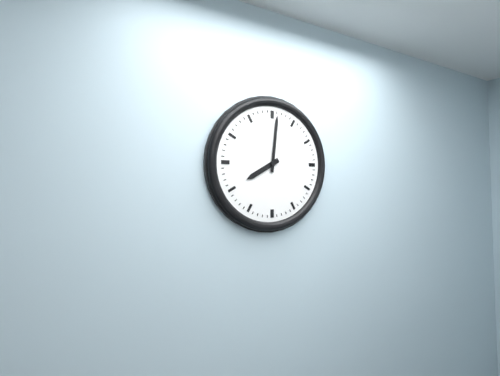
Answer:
8h01
